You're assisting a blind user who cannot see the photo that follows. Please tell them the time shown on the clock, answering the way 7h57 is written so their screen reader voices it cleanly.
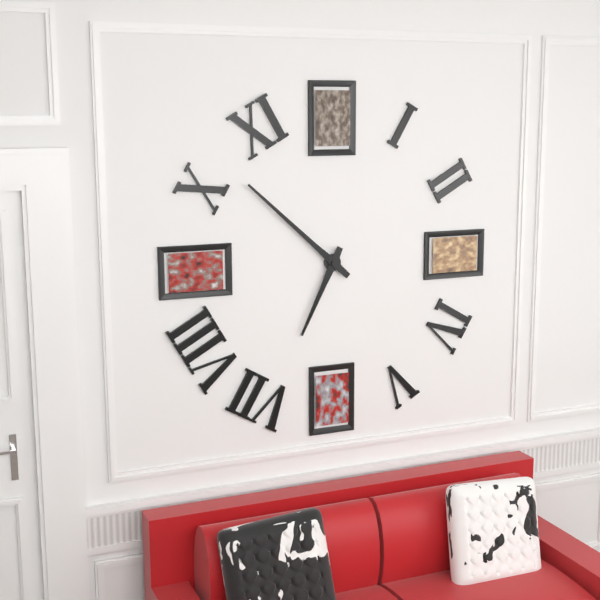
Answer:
6h52
